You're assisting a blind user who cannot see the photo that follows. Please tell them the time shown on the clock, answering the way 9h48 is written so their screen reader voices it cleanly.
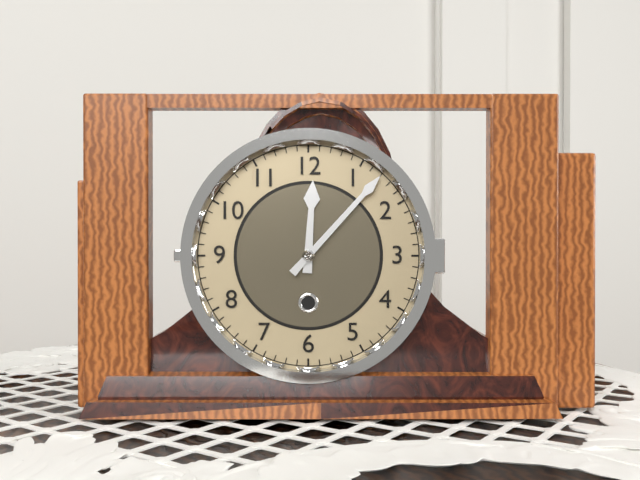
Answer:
12h07
